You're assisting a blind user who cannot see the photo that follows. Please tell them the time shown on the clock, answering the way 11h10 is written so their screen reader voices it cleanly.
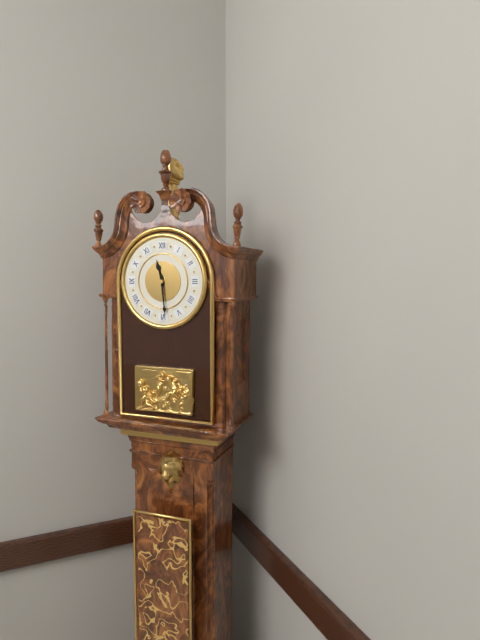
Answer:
11h29
